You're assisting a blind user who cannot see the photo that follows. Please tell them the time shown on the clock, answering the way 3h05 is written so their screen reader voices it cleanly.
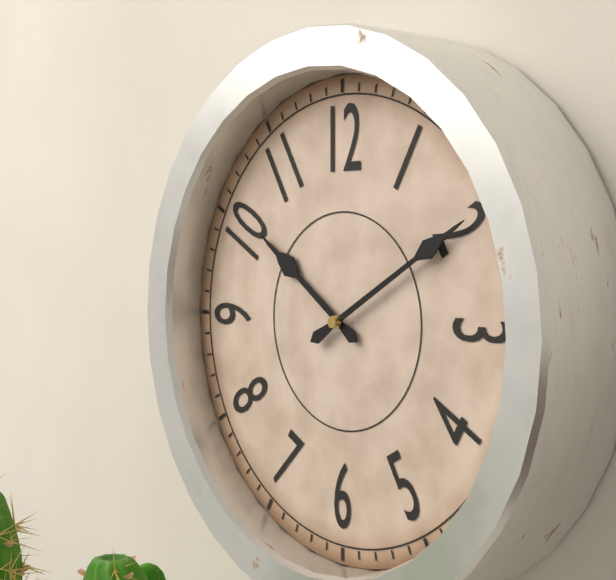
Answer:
10h10
